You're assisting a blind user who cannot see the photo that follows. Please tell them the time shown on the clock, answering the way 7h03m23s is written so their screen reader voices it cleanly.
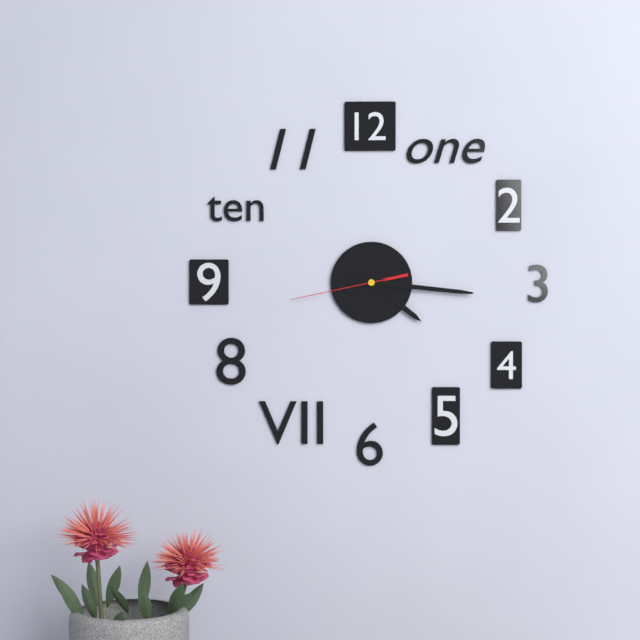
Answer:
4h16m43s
